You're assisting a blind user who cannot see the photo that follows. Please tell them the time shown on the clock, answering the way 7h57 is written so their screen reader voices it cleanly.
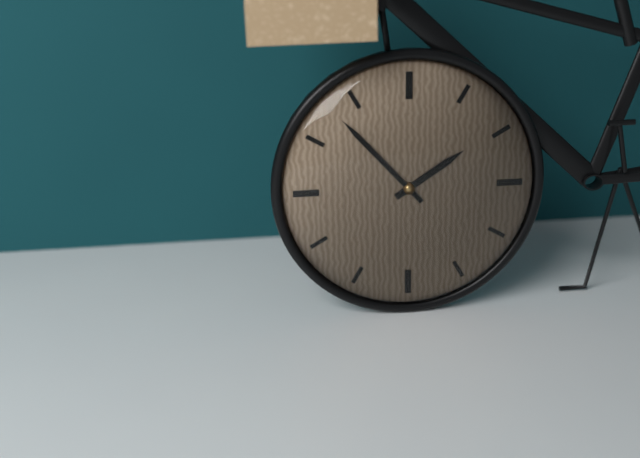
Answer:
1h53
